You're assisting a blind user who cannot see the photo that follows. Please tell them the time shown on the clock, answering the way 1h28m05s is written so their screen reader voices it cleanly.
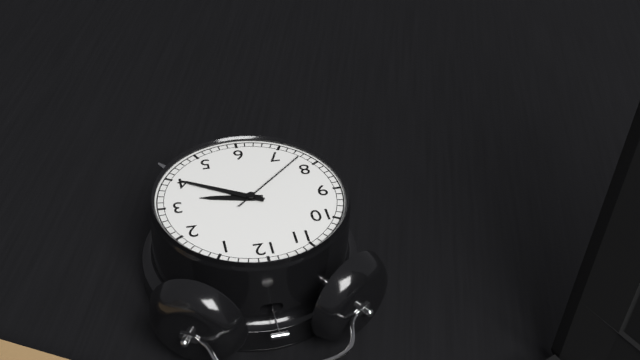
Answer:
3h20m38s
